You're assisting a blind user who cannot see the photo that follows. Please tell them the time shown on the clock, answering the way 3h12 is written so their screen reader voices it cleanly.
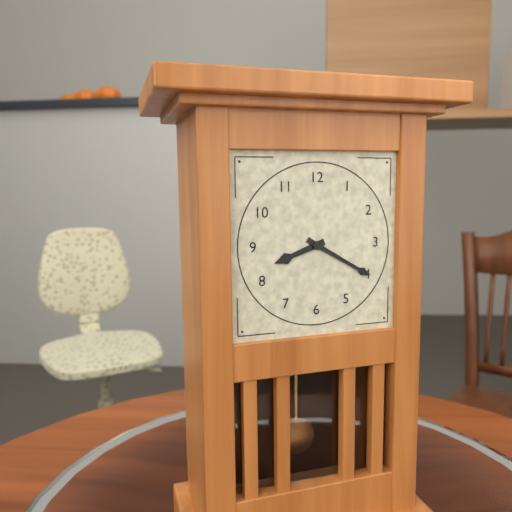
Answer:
8h20
